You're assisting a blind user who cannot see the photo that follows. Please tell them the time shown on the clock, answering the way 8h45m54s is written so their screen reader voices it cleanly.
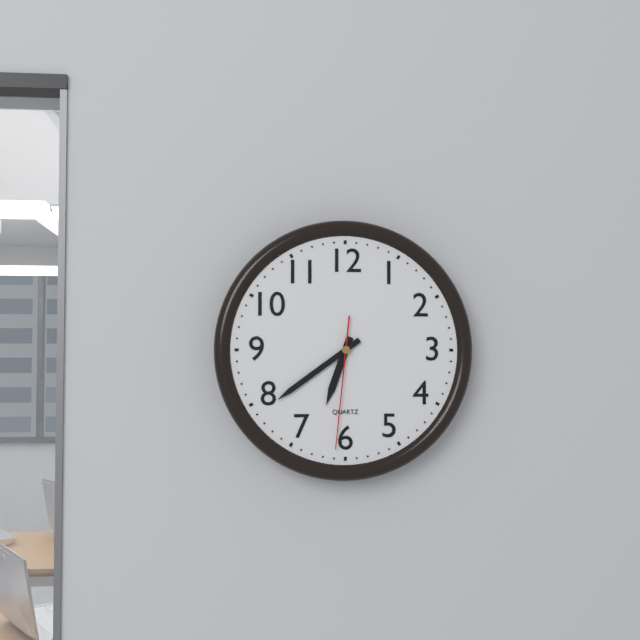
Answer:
6h39m31s
